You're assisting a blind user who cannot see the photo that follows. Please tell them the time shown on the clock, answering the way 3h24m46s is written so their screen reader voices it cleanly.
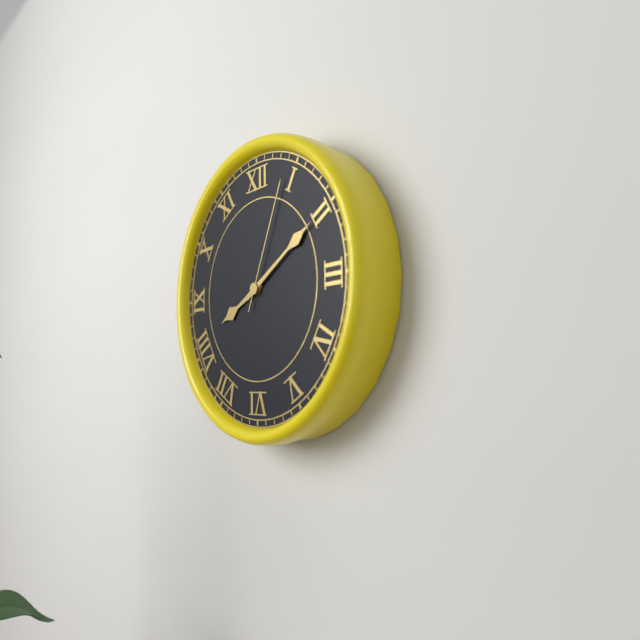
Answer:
8h10m04s
